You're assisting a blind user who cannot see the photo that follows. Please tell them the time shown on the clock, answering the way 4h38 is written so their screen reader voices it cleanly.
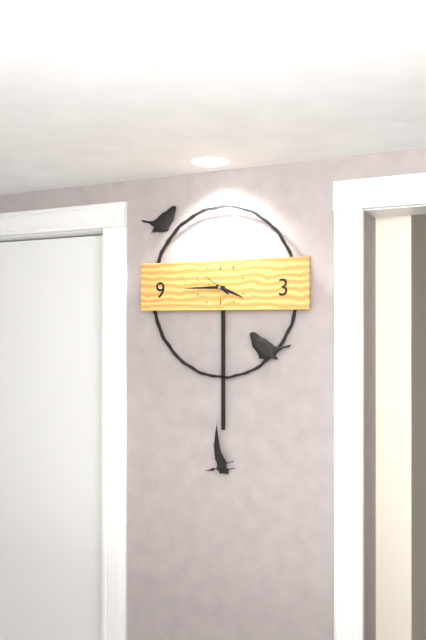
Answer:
3h45
